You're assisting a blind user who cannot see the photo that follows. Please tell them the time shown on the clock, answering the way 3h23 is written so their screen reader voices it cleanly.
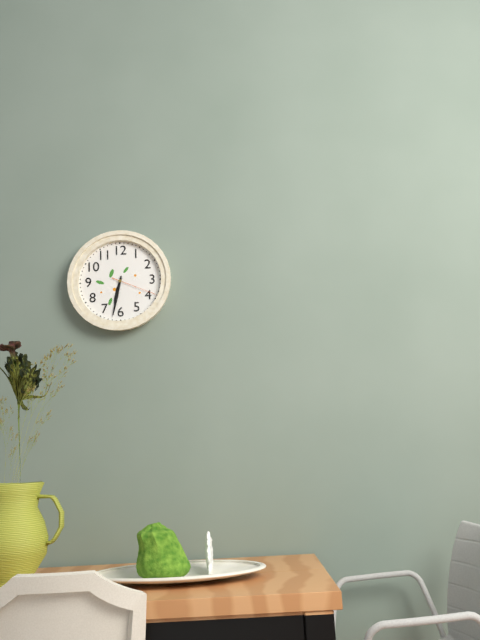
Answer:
6h32
